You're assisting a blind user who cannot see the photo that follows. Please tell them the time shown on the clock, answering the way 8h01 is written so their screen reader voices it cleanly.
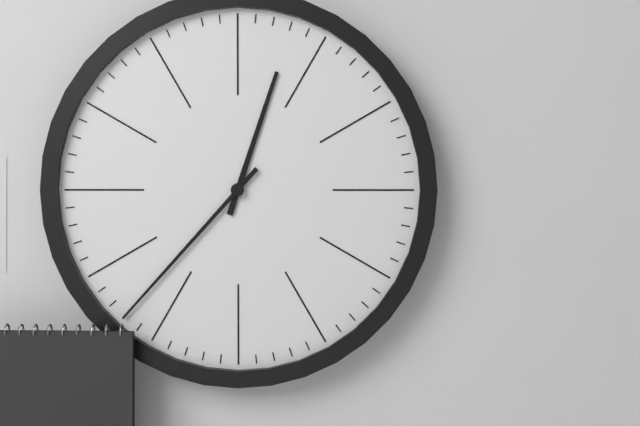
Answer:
12h37
